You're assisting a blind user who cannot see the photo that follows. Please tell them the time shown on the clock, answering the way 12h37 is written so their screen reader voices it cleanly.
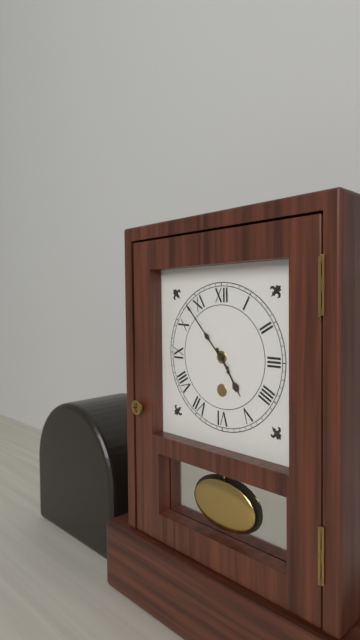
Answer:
4h53
